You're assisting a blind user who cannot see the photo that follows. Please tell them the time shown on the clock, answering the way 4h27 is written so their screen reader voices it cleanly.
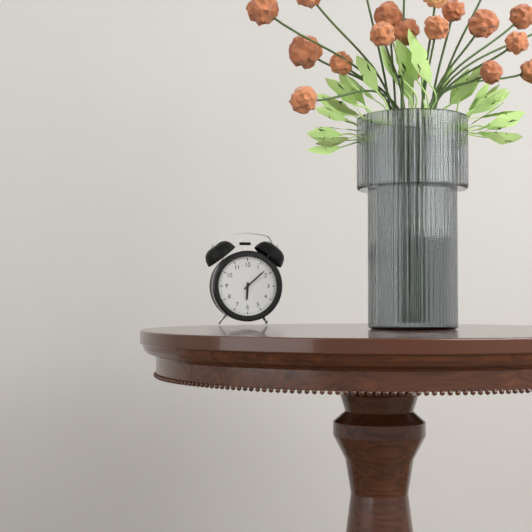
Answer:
6h08
